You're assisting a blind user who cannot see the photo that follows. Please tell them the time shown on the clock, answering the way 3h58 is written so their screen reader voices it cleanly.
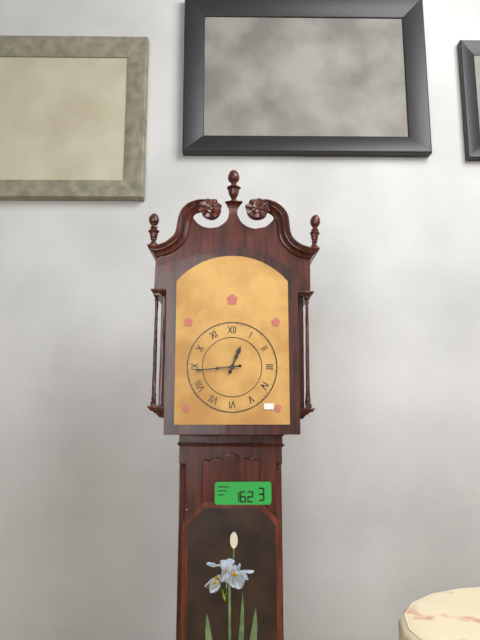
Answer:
12h44
